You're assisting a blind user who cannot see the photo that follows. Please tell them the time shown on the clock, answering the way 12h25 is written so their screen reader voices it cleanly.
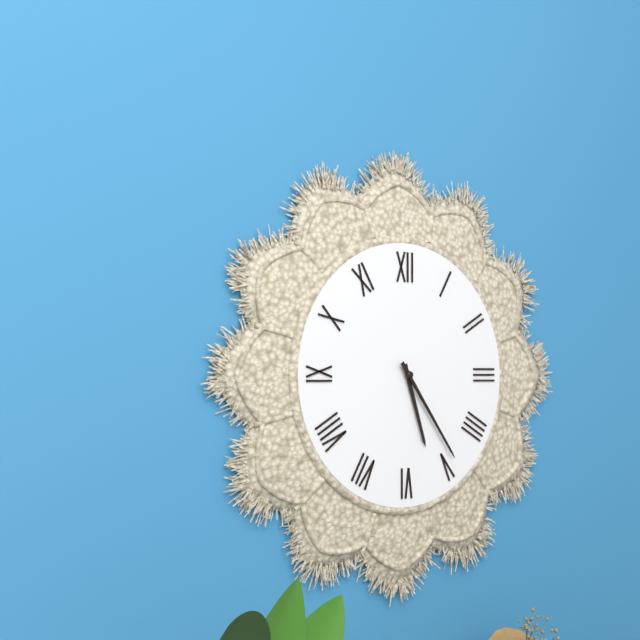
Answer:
5h24
